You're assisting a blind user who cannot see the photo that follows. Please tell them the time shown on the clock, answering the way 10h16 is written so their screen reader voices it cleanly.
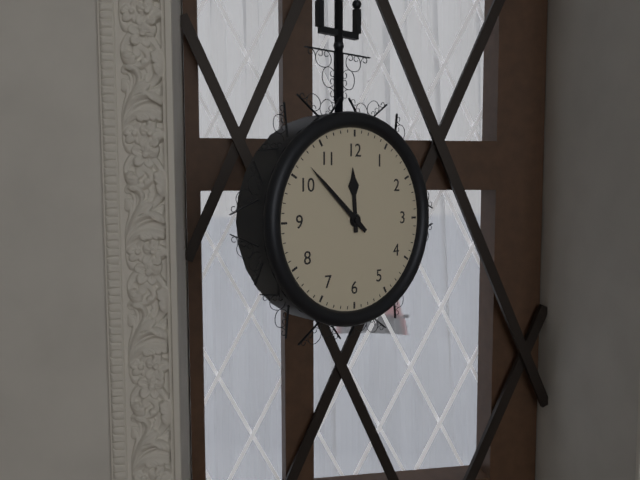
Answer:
11h52
